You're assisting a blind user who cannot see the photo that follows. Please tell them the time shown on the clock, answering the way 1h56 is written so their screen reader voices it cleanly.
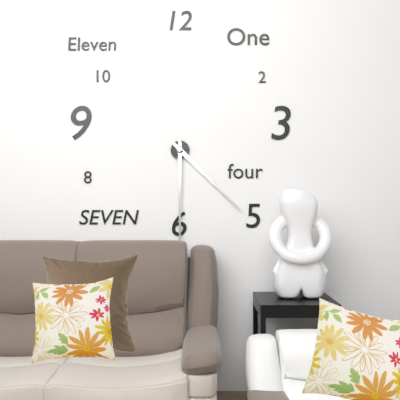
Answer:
4h30
